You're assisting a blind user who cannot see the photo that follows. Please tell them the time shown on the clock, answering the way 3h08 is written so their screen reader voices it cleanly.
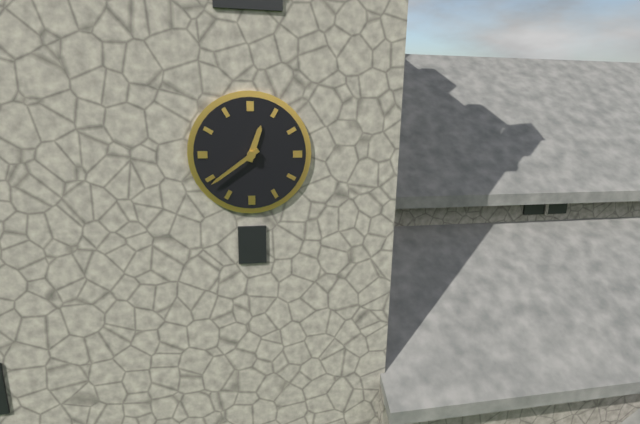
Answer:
12h39
